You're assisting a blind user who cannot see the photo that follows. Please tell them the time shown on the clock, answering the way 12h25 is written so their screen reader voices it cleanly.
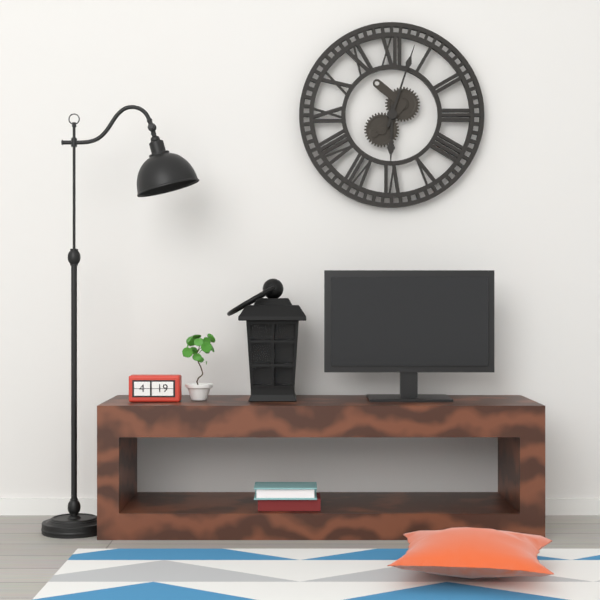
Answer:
6h03
